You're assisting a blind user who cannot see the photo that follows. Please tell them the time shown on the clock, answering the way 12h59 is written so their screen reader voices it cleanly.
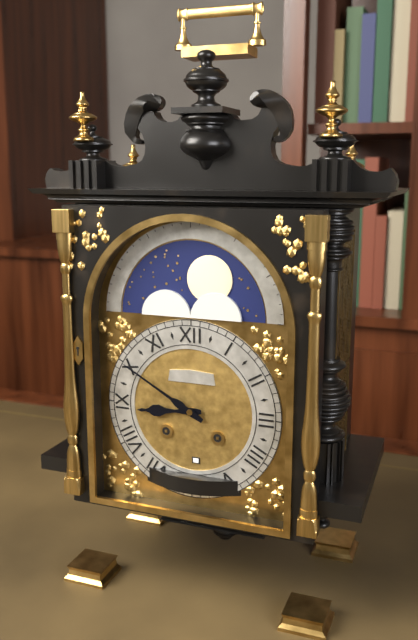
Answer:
8h50
